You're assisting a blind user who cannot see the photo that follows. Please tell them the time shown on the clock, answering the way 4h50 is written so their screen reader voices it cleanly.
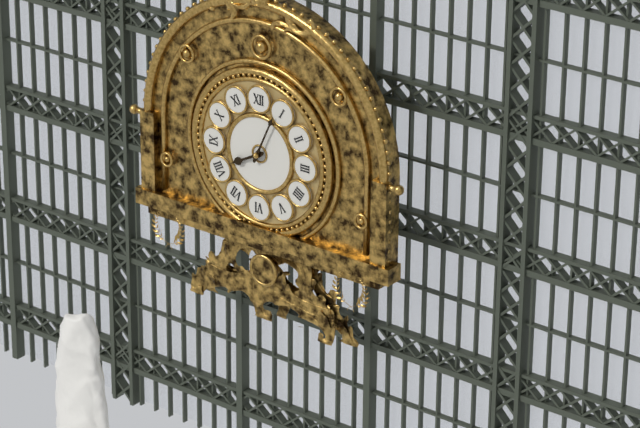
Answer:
8h04
